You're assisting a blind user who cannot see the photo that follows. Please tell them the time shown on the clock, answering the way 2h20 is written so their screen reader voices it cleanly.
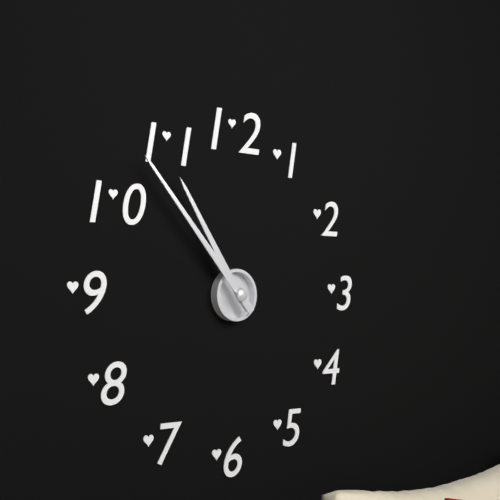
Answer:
10h53
